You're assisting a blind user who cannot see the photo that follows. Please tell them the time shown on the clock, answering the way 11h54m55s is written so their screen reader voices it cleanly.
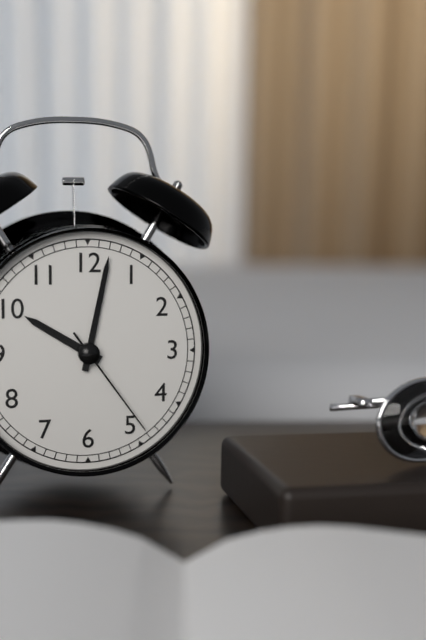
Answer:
10h02m24s
